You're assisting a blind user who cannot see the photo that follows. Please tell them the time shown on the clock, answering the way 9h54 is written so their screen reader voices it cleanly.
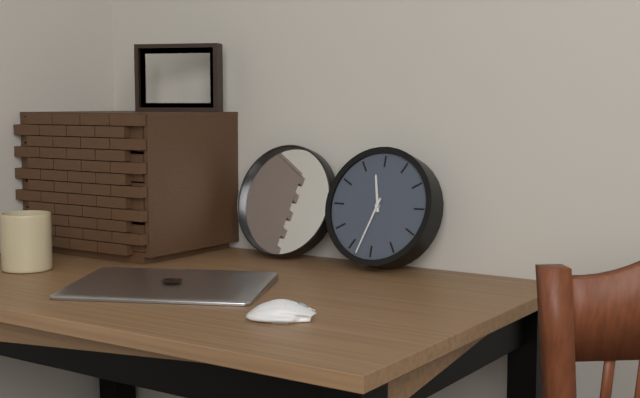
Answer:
11h33
